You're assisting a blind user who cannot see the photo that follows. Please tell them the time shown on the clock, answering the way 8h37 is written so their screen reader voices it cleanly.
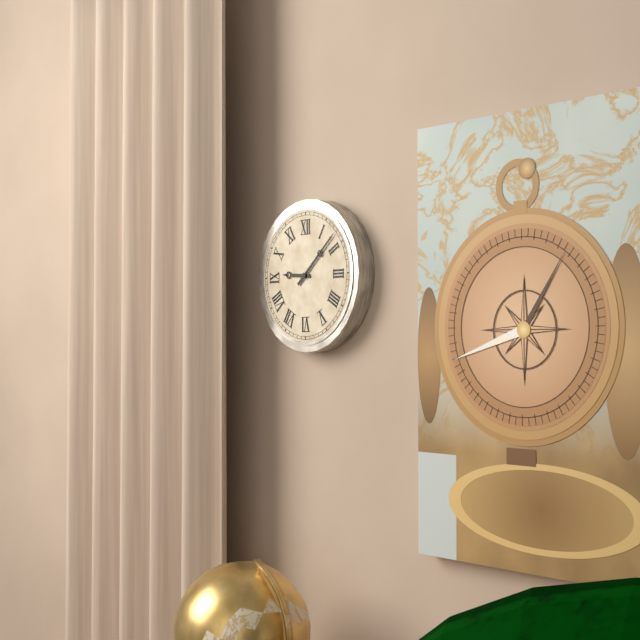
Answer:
9h08
